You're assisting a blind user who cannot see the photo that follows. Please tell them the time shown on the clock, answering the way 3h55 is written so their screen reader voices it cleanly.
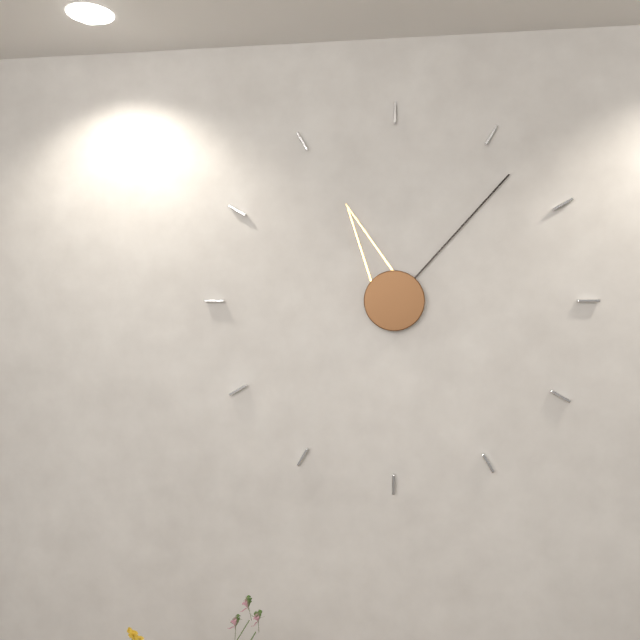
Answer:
11h07
